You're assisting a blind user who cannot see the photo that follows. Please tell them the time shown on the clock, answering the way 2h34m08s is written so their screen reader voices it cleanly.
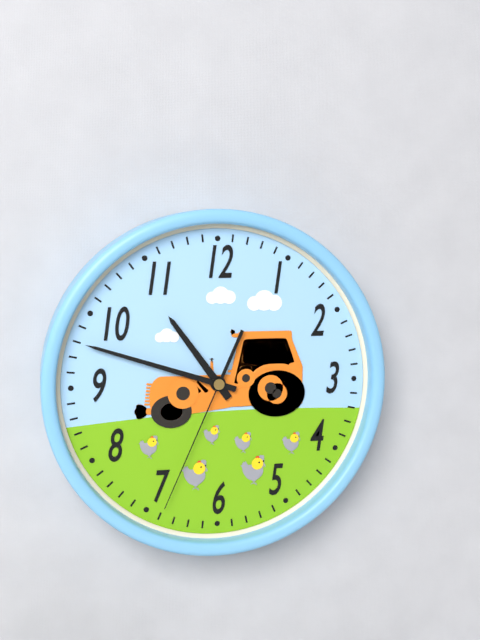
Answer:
10h48m34s
